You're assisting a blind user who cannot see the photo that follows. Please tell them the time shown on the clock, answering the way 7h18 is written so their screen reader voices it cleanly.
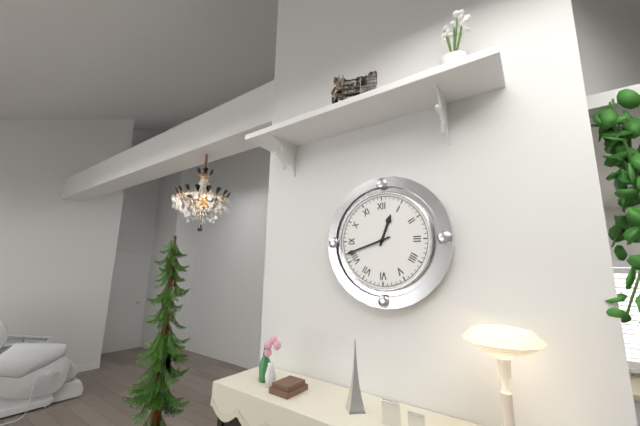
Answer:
12h42
